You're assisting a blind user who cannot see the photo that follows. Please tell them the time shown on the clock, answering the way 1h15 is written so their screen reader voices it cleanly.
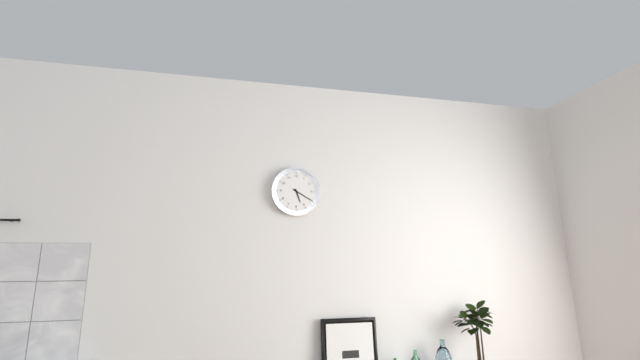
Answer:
5h20
